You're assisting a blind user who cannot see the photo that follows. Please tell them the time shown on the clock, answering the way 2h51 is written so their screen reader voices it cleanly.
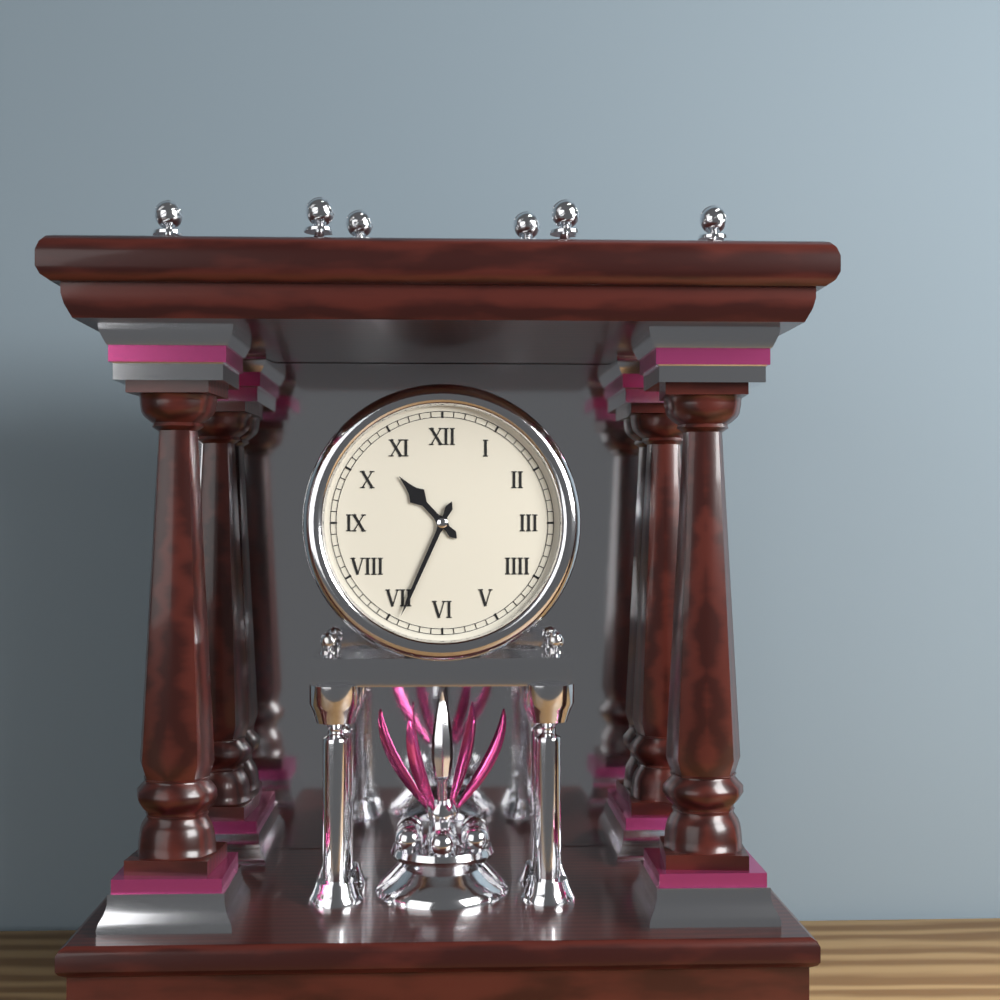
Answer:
10h34
